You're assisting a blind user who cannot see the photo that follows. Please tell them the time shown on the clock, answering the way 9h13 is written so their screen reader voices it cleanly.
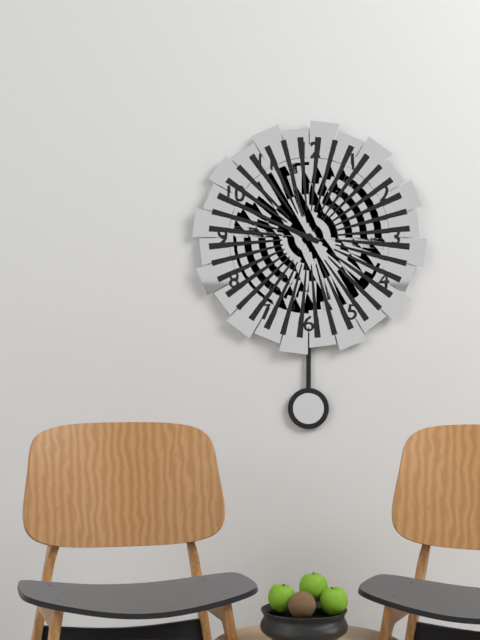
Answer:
9h49
